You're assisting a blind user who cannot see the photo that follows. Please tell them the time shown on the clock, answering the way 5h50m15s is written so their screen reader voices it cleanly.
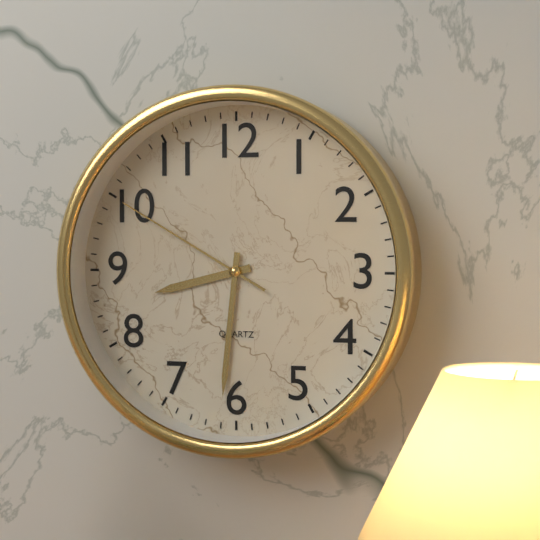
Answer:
8h31m50s
